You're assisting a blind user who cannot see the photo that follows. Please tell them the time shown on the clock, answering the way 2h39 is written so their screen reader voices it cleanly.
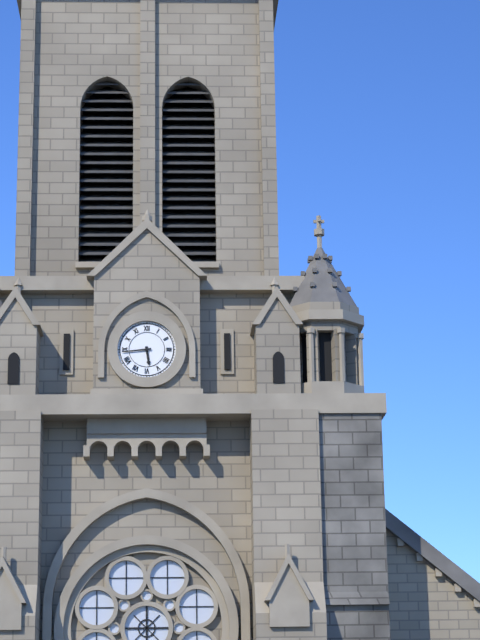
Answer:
5h44
